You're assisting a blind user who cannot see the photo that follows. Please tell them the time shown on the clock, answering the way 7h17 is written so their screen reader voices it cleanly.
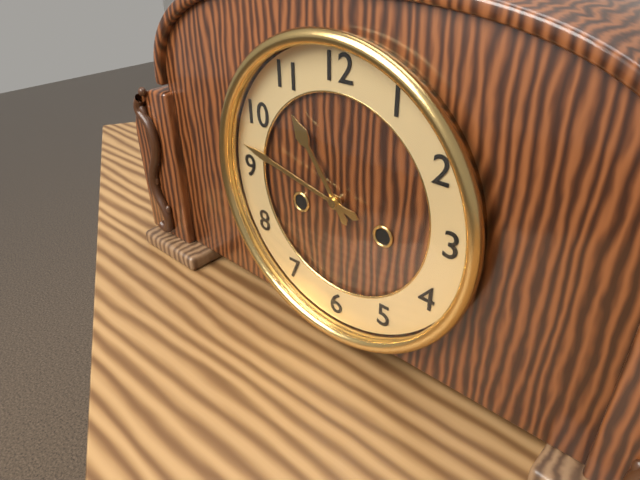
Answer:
10h47
